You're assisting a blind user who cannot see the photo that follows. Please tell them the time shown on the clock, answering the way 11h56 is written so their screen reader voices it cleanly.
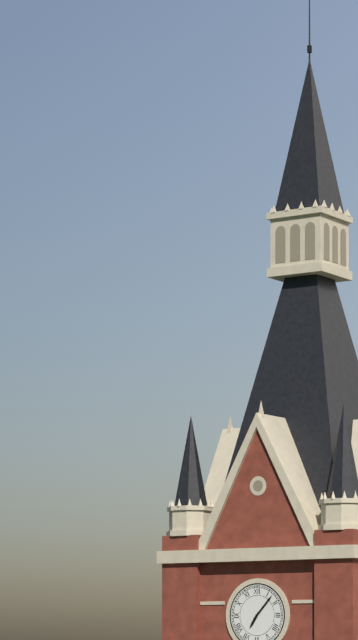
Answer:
7h07
